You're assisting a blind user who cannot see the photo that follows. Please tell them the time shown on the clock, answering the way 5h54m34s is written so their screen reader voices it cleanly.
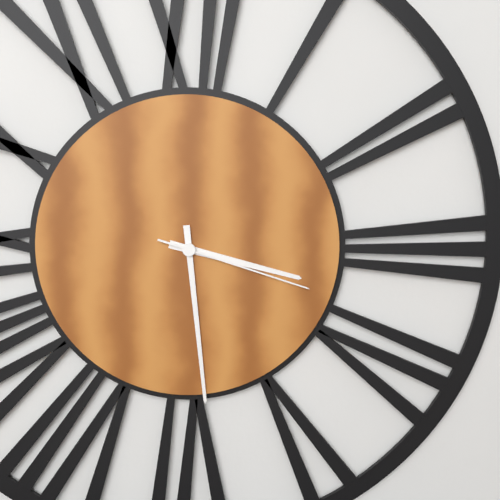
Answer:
3h29m18s
